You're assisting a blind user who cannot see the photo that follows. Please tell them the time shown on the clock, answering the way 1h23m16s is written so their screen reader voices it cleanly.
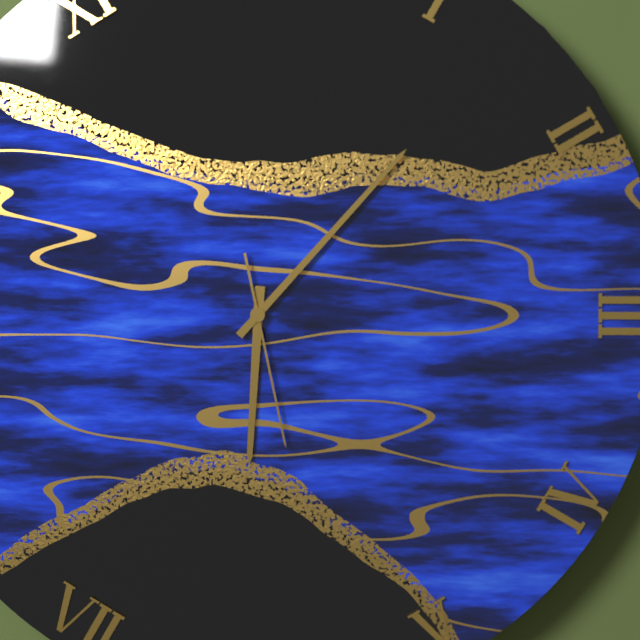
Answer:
6h07m28s
